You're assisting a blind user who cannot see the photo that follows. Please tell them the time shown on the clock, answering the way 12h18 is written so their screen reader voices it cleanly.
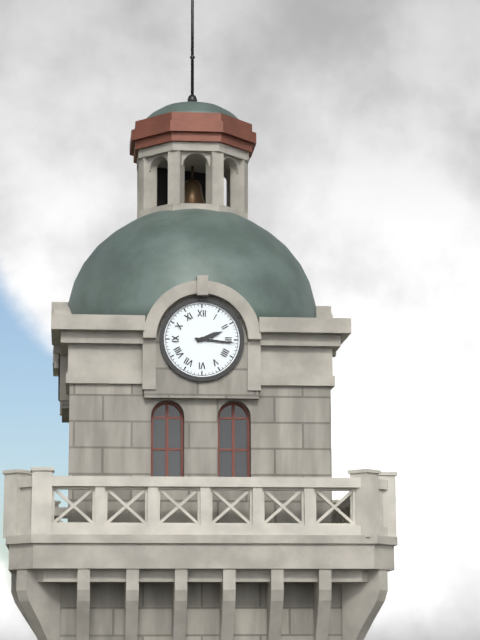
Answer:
2h16
